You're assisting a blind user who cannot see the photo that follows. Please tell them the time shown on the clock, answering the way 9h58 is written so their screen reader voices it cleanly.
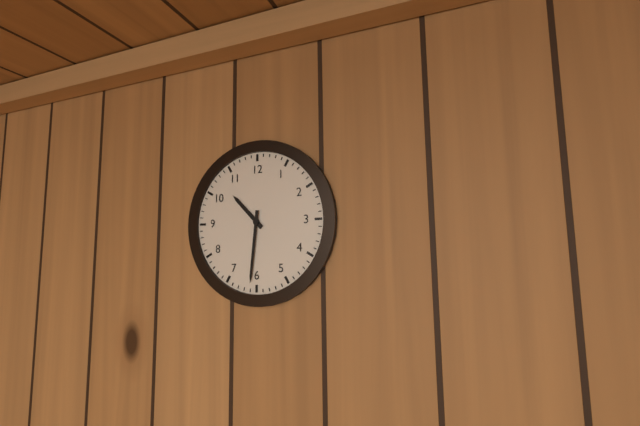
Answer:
10h31
